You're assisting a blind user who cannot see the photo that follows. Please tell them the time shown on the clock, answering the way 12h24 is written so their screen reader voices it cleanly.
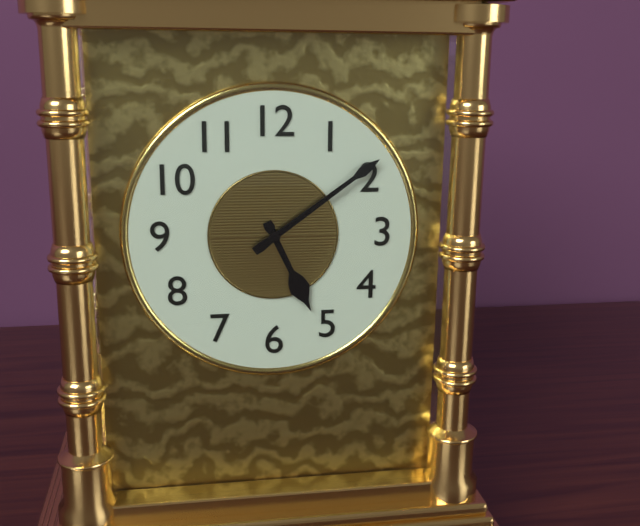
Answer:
5h09
